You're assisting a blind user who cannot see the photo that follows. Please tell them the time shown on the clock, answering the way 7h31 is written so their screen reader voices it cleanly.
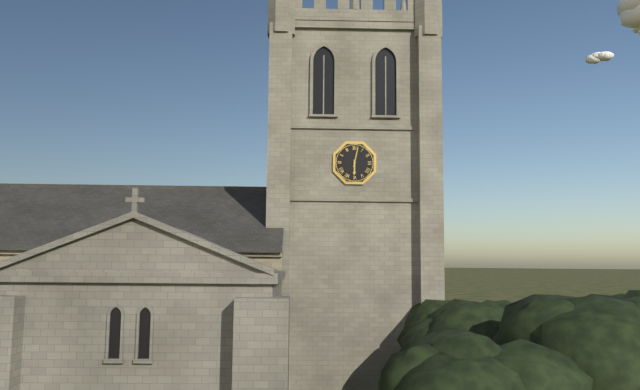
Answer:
6h02
